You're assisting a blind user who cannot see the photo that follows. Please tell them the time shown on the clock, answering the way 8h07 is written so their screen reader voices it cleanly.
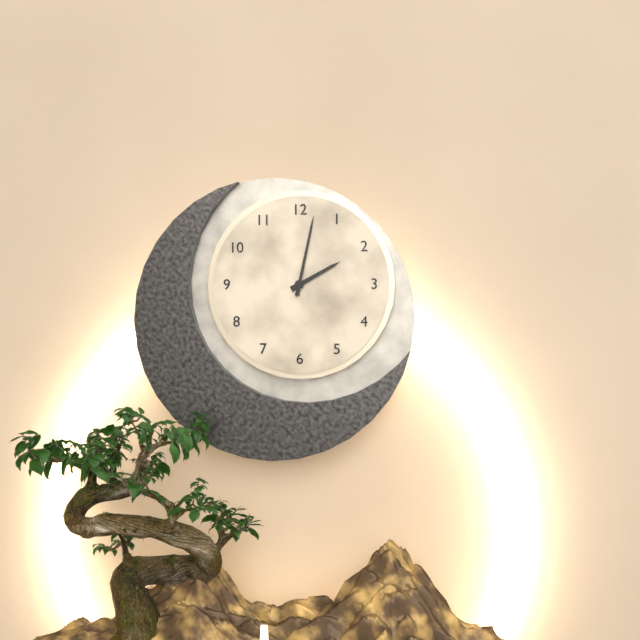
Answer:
2h02
